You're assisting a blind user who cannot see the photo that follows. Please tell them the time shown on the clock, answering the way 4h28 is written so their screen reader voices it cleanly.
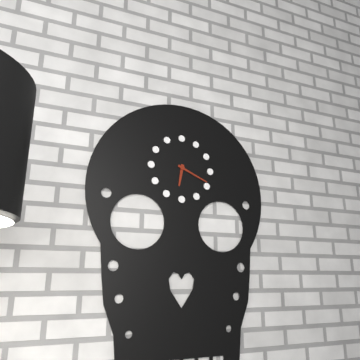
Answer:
6h19
